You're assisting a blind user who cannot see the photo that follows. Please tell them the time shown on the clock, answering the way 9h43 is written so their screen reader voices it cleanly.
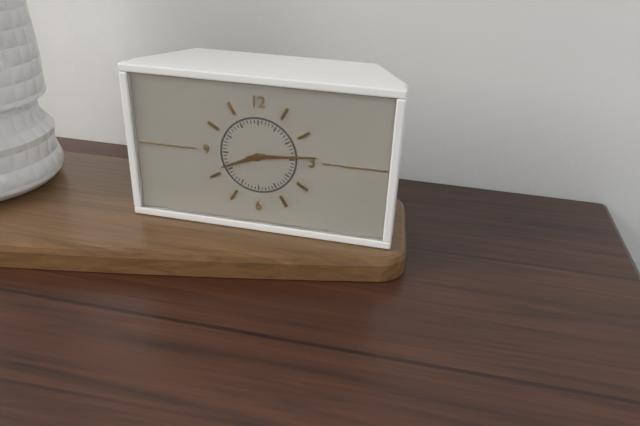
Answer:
8h14
